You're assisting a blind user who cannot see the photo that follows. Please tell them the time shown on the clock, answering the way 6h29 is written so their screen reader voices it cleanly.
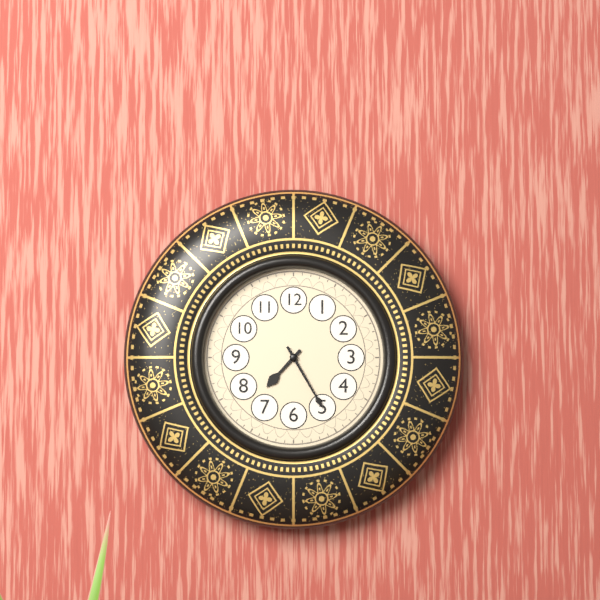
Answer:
7h25
